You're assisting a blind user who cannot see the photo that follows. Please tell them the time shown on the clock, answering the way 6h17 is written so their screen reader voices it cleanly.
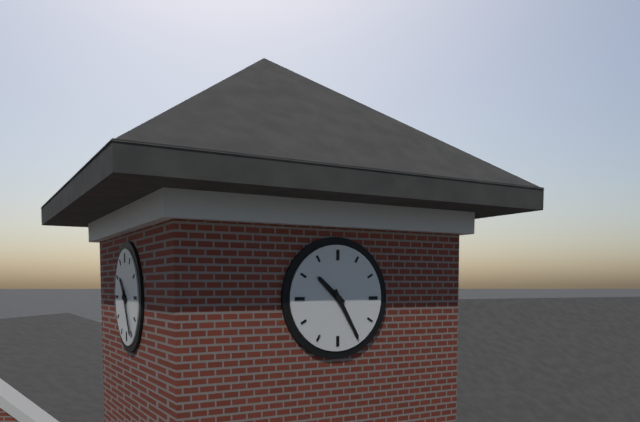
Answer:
10h25
